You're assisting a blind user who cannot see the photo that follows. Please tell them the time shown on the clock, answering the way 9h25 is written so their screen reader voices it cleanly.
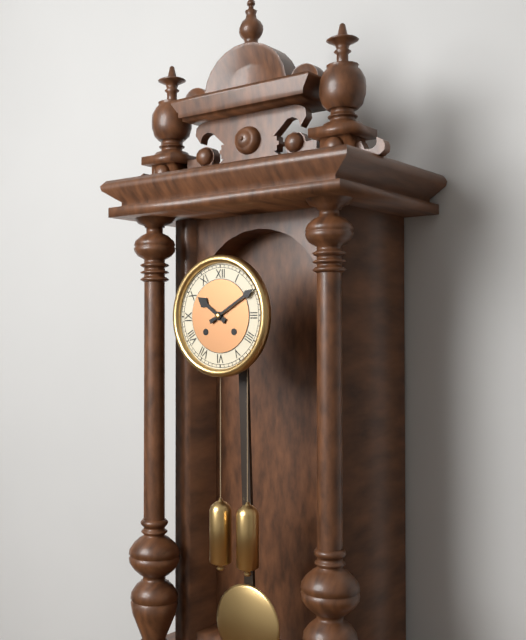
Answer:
10h10
